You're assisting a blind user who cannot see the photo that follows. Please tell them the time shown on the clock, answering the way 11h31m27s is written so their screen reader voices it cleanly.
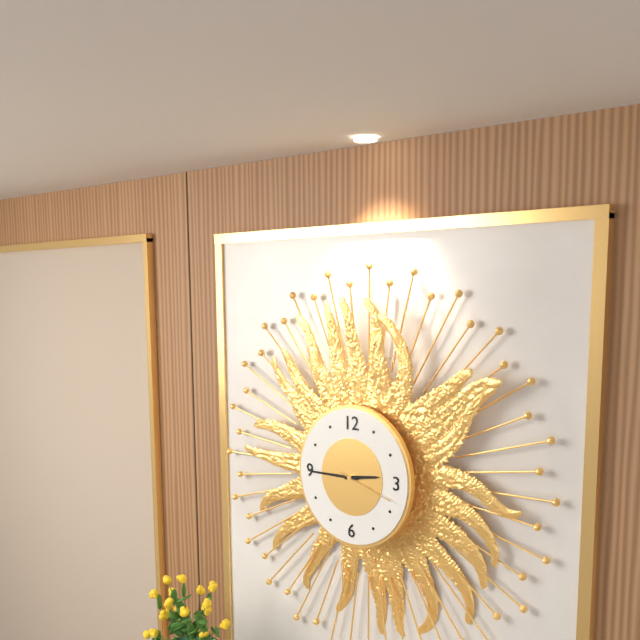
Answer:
2h45m18s
